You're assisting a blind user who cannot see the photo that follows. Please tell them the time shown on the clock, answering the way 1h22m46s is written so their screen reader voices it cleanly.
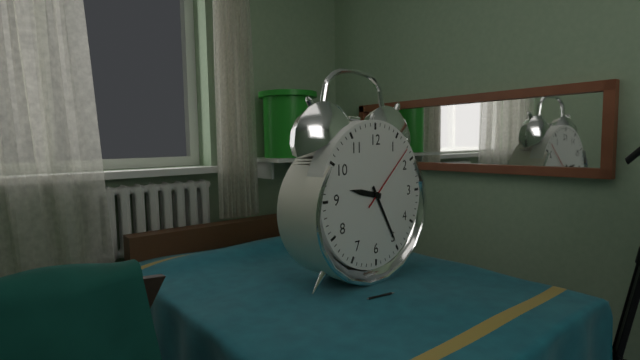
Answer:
9h25m08s
